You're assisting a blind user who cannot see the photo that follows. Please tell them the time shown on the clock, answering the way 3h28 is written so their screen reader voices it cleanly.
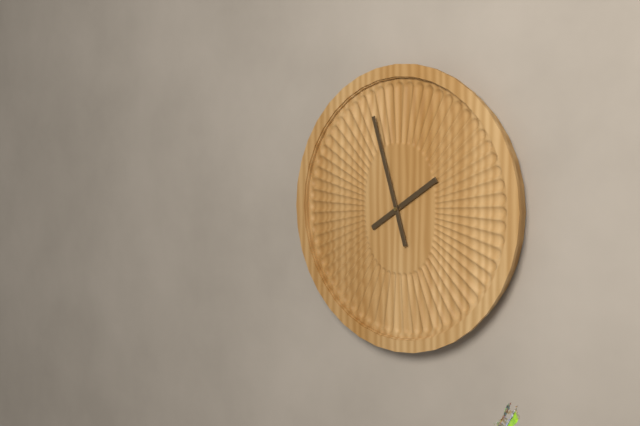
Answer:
1h57
